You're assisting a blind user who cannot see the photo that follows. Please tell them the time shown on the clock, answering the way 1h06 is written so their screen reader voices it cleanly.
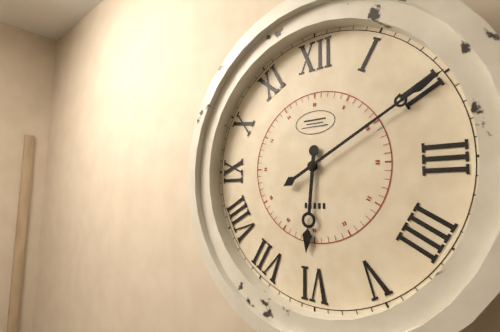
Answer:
6h10
